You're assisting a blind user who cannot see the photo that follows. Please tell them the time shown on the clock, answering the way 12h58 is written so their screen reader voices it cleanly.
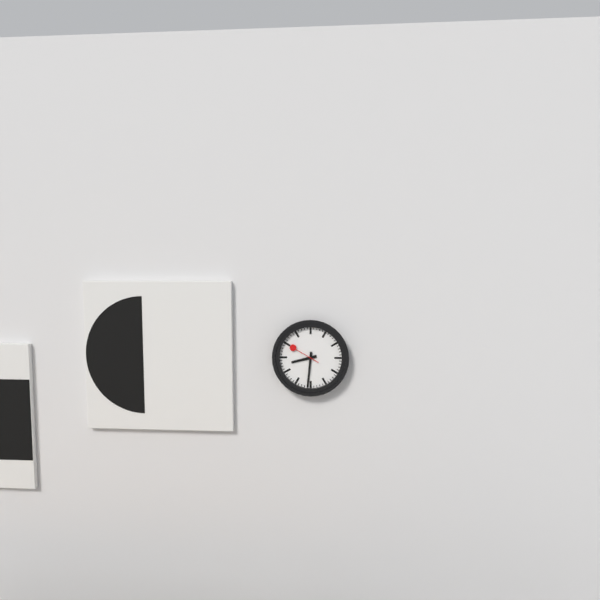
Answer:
8h31
